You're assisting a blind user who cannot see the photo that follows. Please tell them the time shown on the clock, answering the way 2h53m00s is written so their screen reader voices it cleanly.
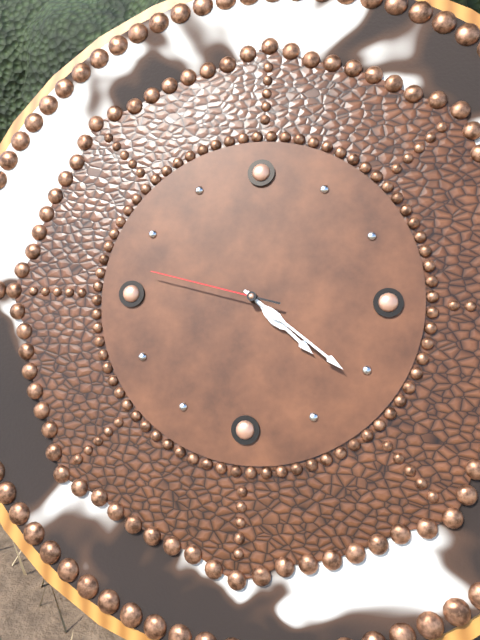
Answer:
4h21m47s
